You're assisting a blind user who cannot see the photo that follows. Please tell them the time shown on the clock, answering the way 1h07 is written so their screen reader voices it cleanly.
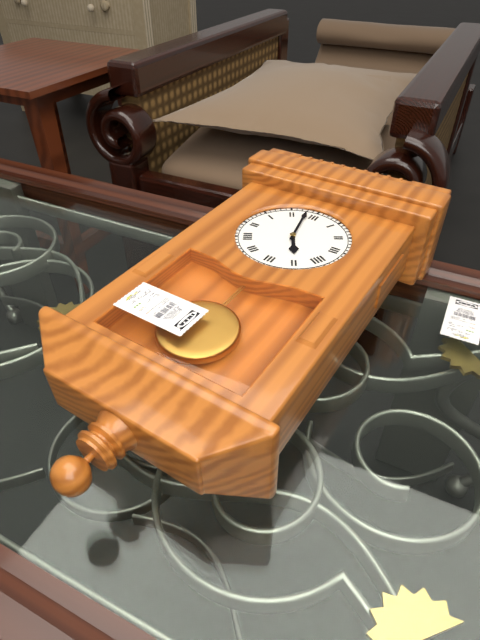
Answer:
4h58
